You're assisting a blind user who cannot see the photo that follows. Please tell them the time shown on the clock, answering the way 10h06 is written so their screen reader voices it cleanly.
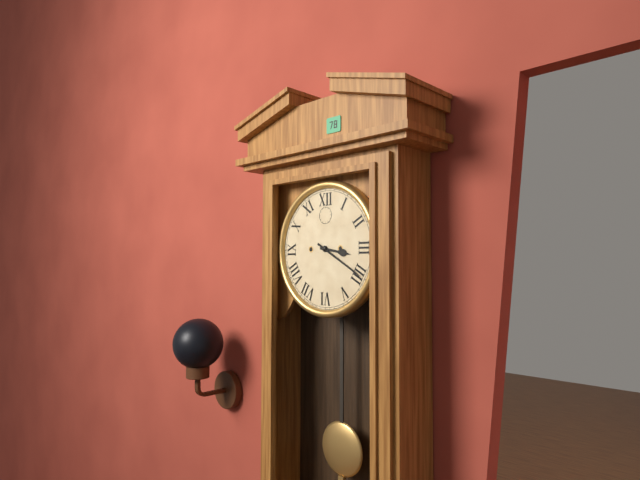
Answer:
3h20
